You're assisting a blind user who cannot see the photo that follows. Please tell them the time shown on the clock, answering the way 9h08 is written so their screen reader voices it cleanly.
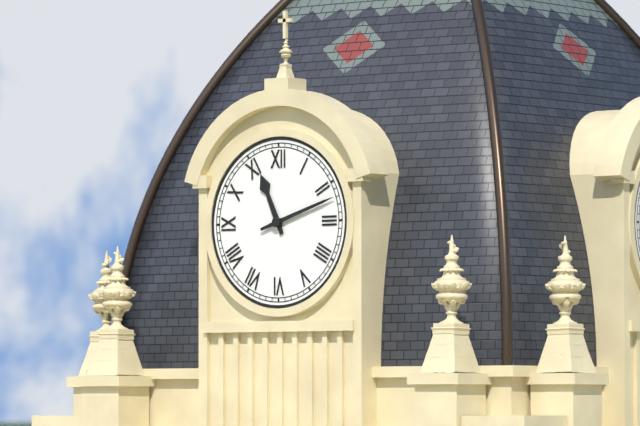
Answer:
11h12
